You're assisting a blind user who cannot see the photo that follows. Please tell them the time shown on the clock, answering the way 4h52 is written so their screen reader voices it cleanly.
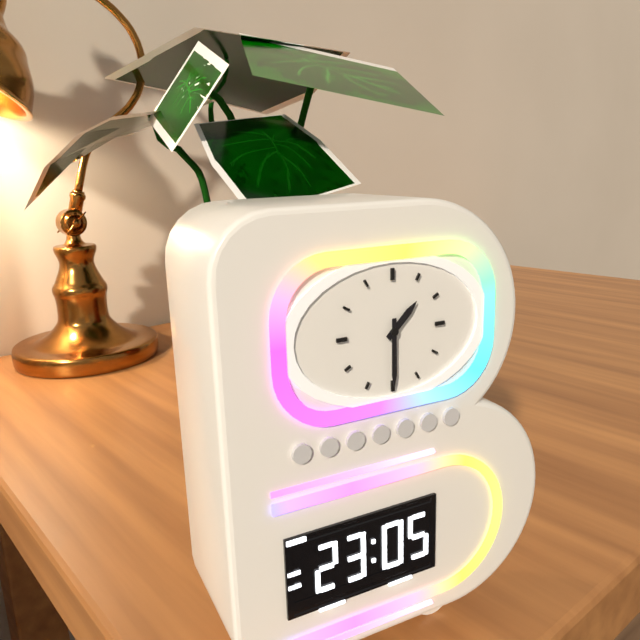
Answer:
1h30
